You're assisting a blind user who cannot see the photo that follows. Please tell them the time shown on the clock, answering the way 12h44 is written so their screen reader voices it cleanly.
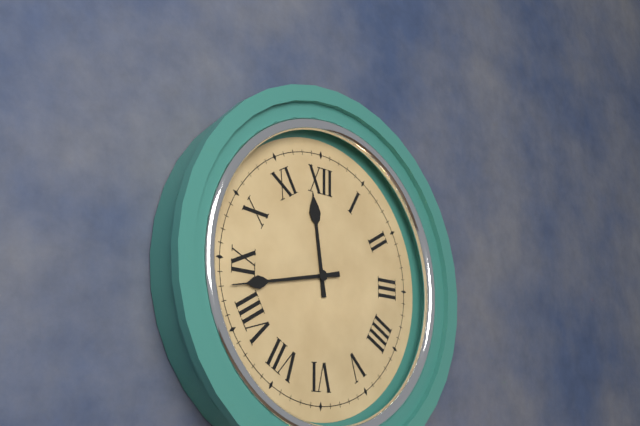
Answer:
11h43
